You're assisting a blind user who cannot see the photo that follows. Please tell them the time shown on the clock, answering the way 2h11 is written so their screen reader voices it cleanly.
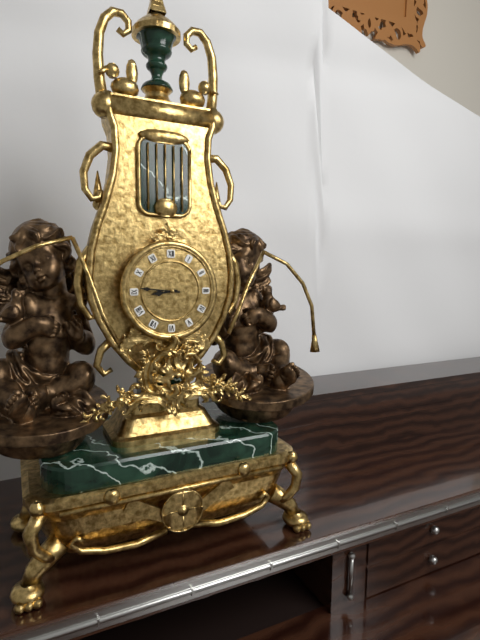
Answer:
8h46
